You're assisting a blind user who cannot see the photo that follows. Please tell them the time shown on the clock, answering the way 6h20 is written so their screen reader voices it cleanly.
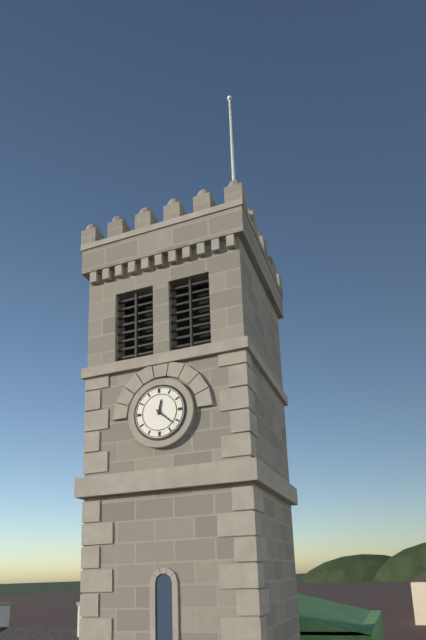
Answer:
12h22
